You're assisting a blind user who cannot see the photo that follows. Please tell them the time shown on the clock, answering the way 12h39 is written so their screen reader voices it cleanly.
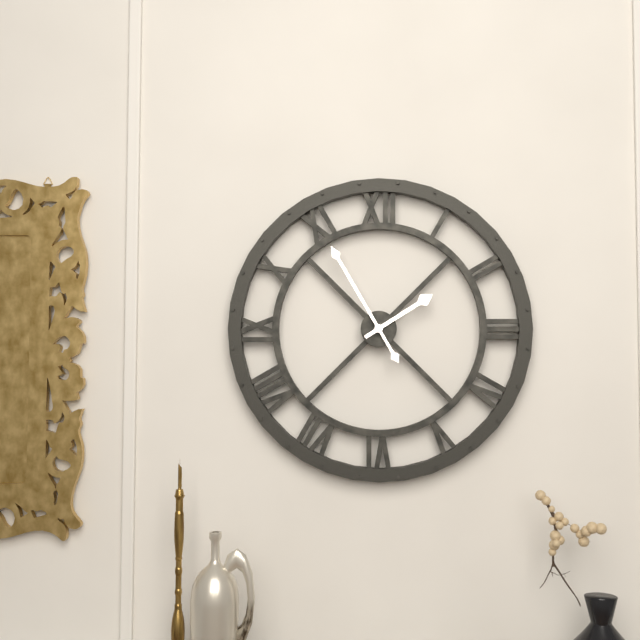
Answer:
1h55
